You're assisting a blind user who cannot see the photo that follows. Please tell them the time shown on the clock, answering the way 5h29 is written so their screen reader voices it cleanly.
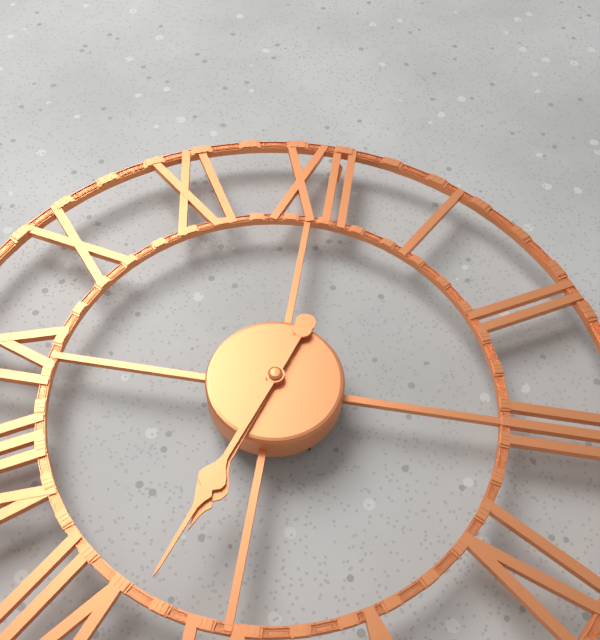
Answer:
6h33
